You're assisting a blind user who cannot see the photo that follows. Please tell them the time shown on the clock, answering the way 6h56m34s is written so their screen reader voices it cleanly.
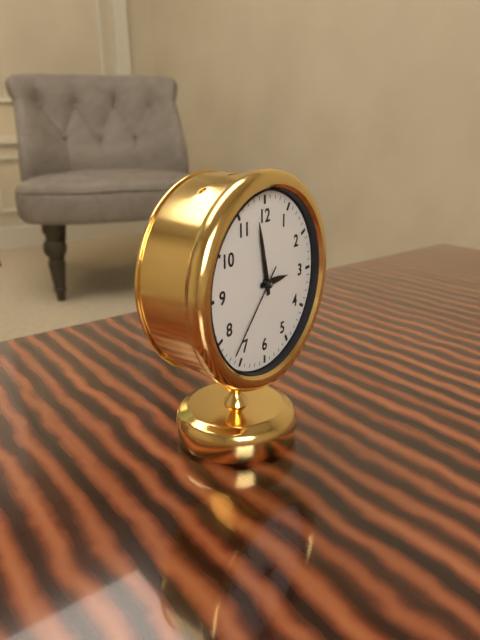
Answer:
2h58m37s
